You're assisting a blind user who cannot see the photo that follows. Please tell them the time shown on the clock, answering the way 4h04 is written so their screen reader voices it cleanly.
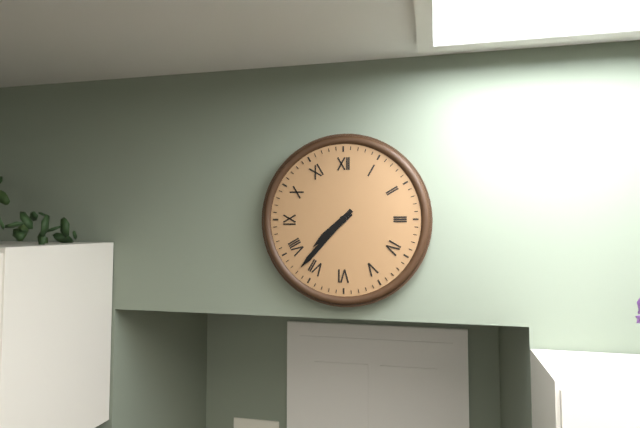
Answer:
7h37
